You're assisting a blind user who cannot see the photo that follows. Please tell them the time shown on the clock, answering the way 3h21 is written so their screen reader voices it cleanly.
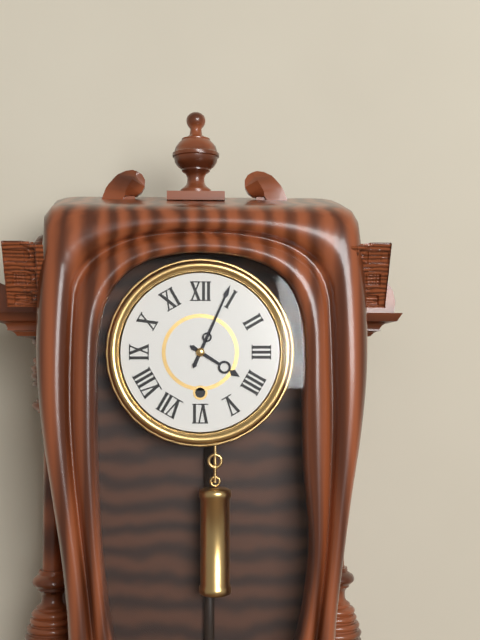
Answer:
4h04
